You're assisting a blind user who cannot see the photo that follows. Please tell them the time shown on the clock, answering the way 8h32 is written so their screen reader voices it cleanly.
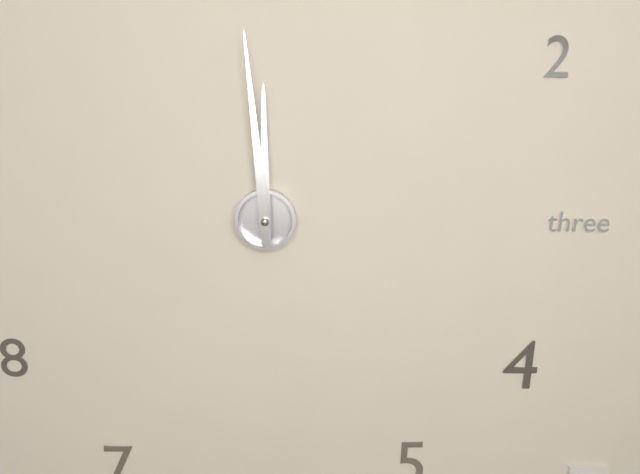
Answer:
11h59
